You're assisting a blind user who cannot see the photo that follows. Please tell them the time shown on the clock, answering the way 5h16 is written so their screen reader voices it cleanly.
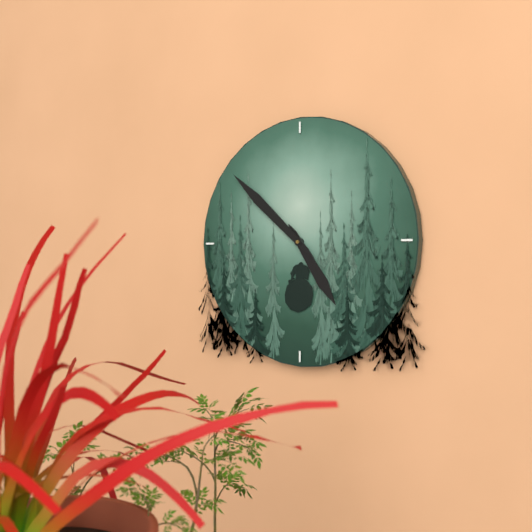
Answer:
4h52
